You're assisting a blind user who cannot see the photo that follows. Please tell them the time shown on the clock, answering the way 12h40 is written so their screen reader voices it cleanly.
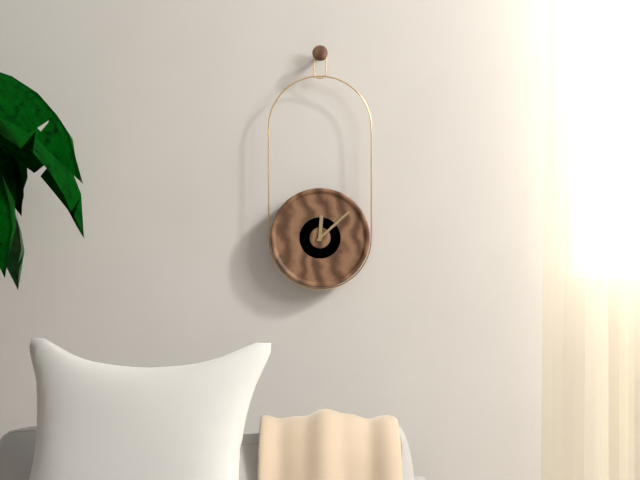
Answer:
12h08
